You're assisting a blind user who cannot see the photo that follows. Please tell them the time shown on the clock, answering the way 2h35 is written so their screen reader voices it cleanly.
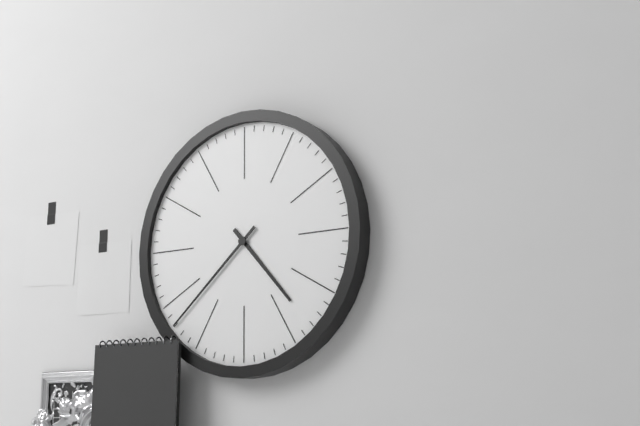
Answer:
4h38
